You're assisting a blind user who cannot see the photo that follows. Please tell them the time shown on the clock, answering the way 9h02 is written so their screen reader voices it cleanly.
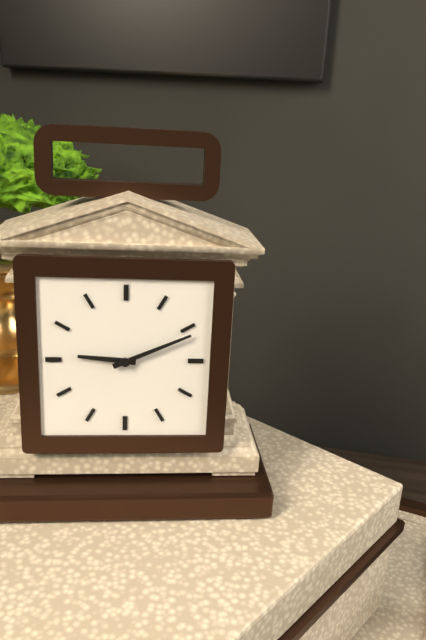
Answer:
9h11
